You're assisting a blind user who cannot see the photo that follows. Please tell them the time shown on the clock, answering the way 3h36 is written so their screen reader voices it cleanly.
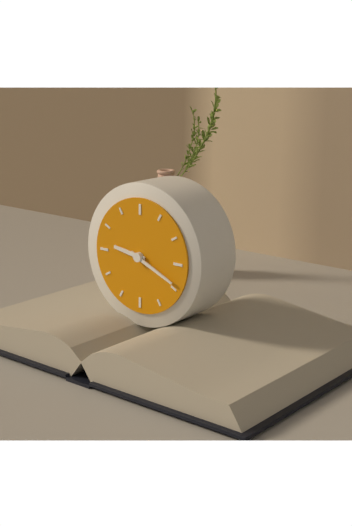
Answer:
9h19
